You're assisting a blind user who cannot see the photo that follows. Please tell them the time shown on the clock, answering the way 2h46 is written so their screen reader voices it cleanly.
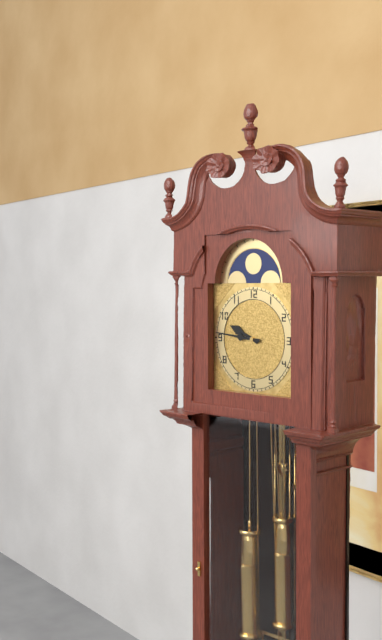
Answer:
9h46
